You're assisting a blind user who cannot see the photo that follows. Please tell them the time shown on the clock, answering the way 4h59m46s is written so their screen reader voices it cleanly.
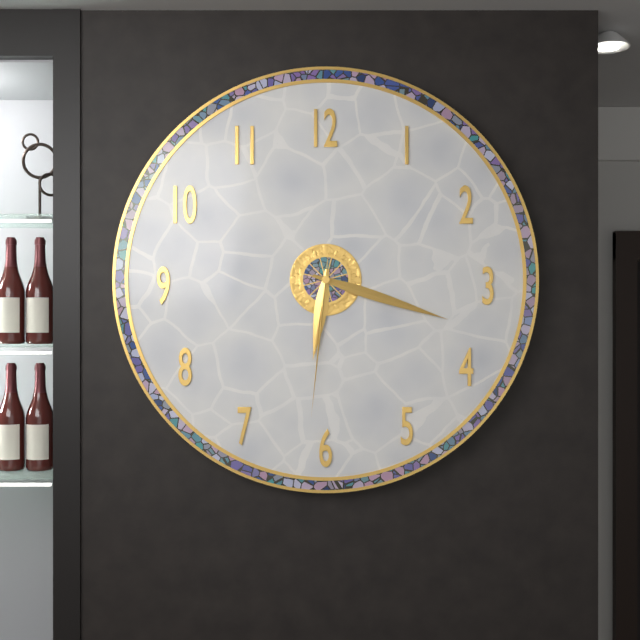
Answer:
6h18m31s
